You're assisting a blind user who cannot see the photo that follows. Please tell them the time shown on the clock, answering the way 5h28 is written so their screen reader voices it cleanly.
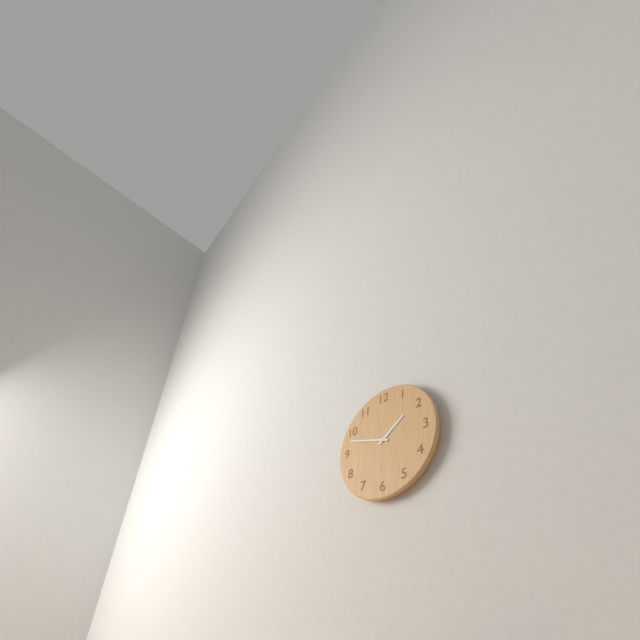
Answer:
1h48
